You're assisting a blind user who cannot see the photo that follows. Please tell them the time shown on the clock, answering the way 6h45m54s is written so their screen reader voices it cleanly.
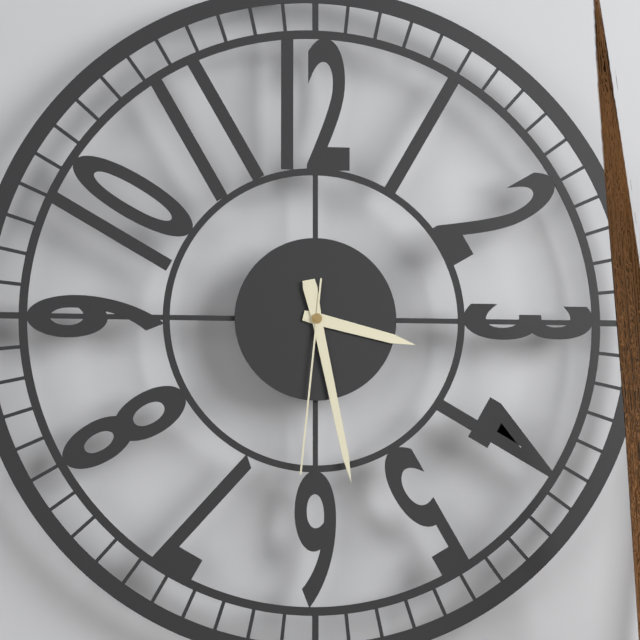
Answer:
3h28m31s
